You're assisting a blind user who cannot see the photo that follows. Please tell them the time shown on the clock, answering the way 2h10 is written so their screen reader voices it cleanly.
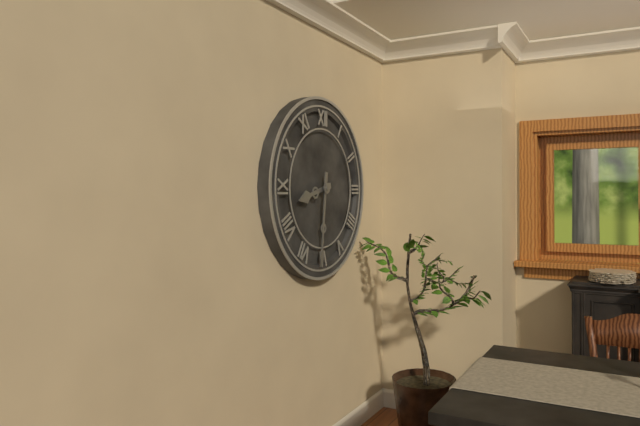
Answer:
8h31
